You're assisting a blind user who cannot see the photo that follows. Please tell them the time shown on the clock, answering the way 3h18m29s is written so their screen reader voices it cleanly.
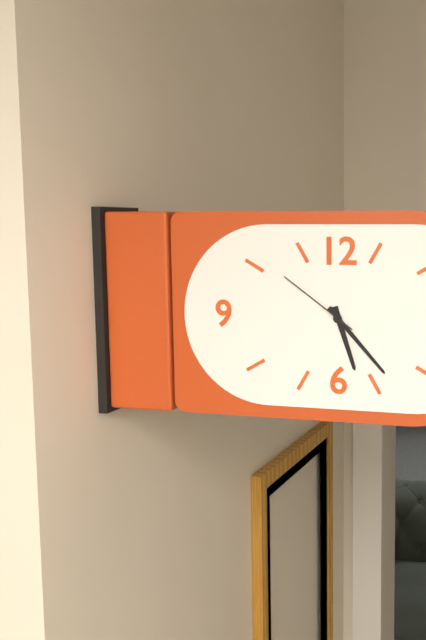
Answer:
5h23m51s
